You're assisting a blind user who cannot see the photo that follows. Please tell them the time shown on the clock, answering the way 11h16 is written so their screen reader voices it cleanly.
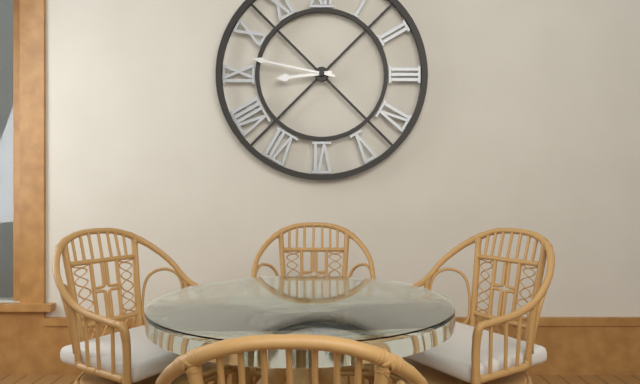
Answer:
8h47
